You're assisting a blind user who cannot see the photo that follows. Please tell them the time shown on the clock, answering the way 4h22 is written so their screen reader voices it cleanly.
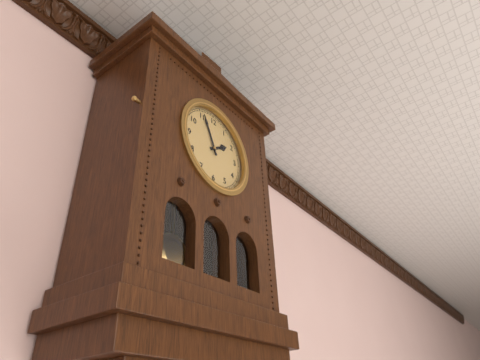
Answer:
1h56
